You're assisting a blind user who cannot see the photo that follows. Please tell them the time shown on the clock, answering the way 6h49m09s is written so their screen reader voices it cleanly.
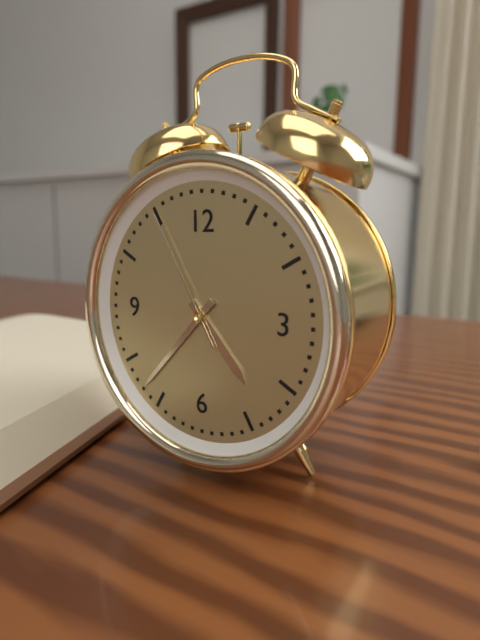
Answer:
4h37m55s
